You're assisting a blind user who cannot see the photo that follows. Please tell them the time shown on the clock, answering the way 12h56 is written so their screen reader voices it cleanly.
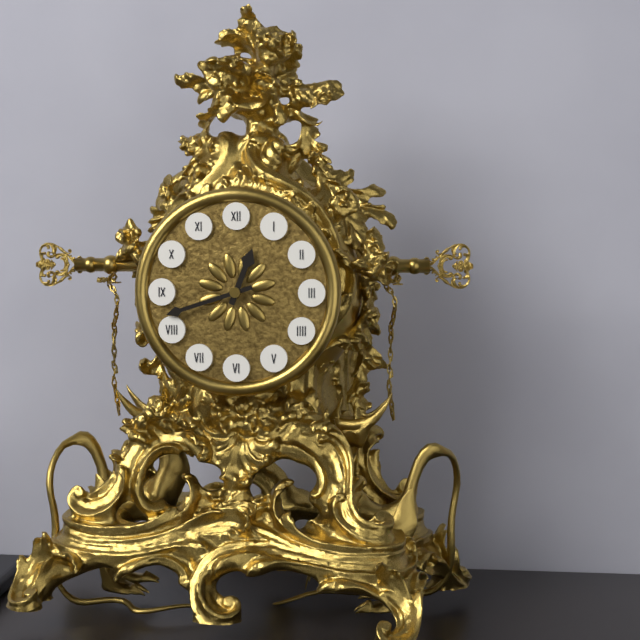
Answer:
12h42
